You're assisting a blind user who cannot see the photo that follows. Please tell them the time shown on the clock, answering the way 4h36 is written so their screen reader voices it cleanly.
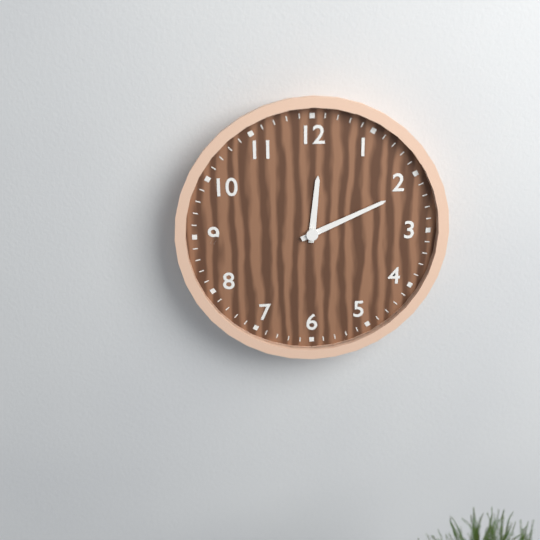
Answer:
12h11
